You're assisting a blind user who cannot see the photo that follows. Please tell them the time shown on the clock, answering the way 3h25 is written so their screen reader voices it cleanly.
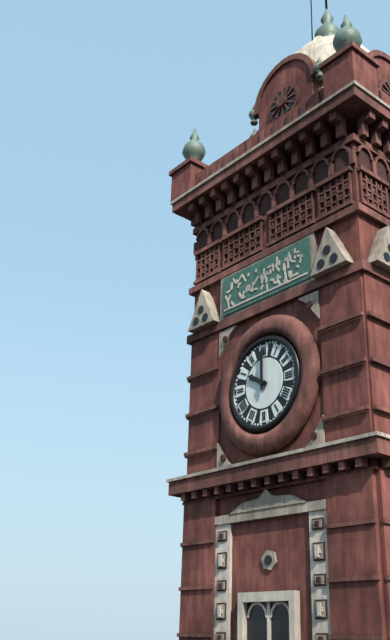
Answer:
10h00
